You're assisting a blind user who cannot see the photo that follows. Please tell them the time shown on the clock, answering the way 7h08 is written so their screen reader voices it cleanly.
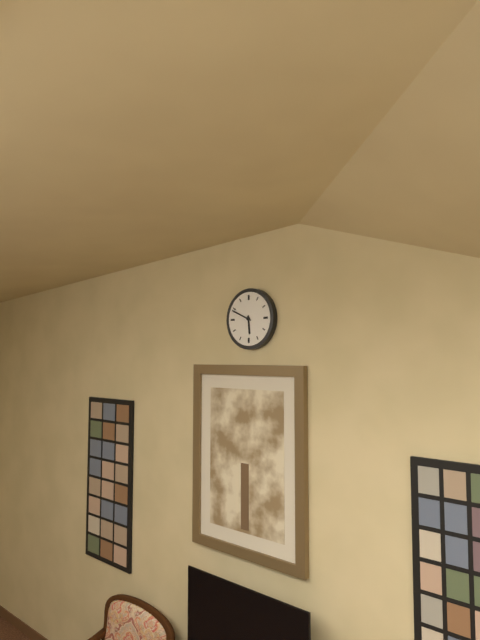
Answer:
5h49
